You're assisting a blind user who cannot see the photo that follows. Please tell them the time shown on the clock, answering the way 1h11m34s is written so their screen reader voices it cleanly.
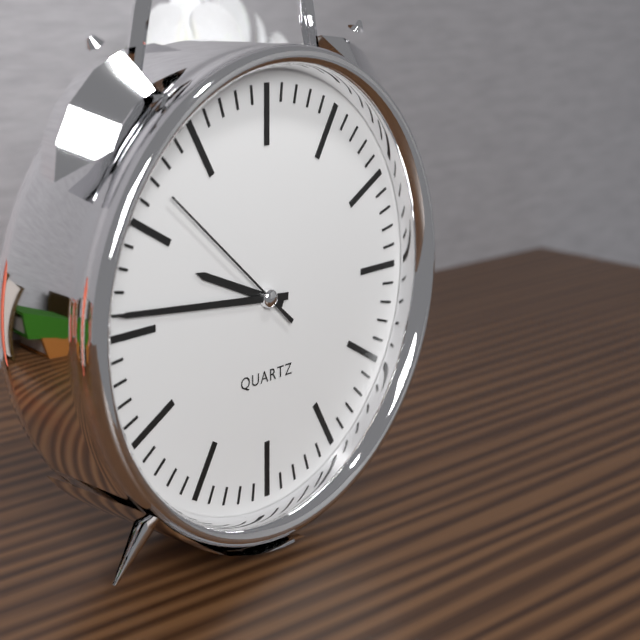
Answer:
9h46m52s
